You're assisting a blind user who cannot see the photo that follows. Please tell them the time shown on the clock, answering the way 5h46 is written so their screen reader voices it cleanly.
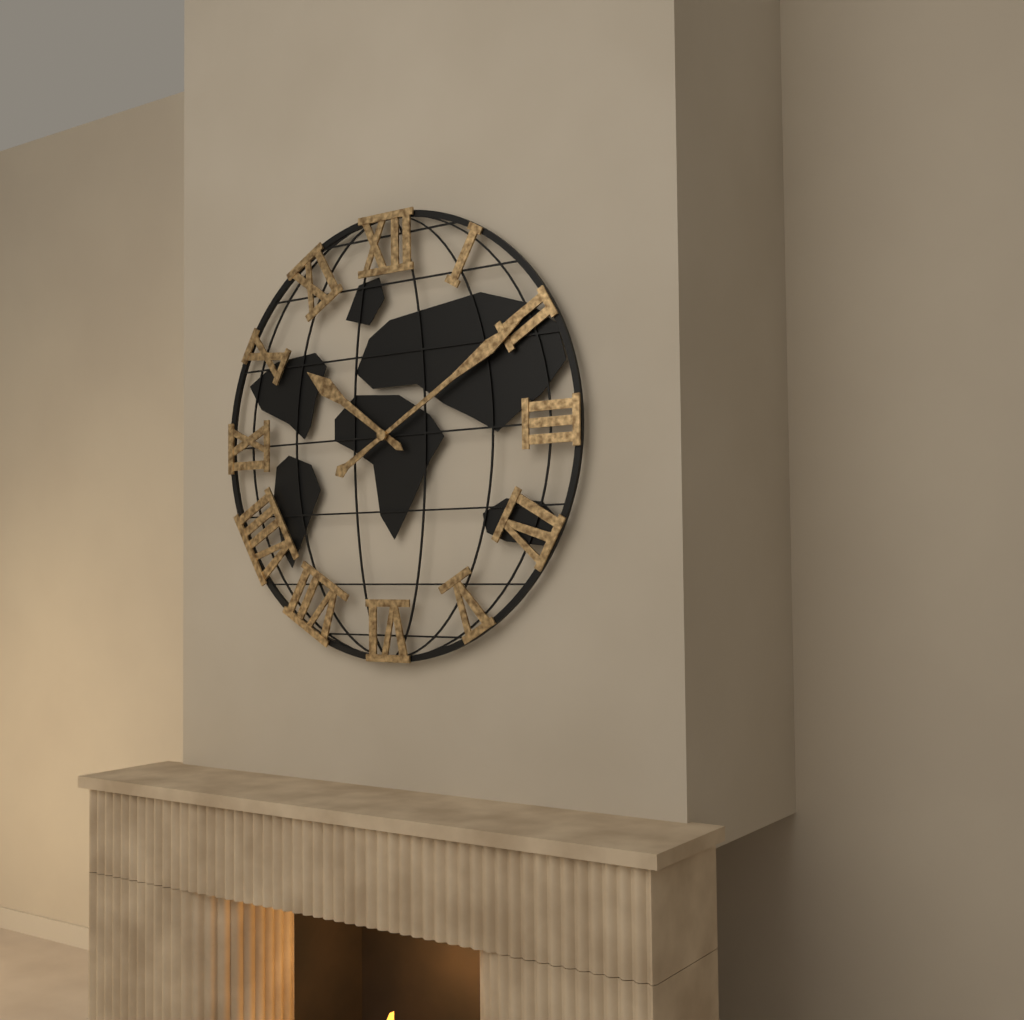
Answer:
10h10
